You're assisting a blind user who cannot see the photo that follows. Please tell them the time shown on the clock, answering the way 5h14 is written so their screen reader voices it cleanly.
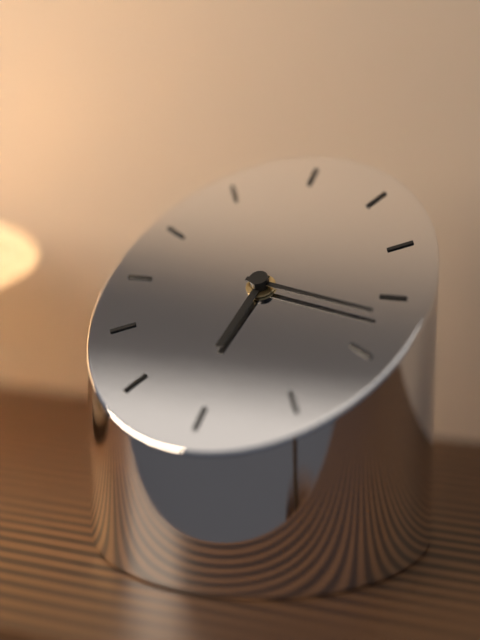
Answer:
6h17
